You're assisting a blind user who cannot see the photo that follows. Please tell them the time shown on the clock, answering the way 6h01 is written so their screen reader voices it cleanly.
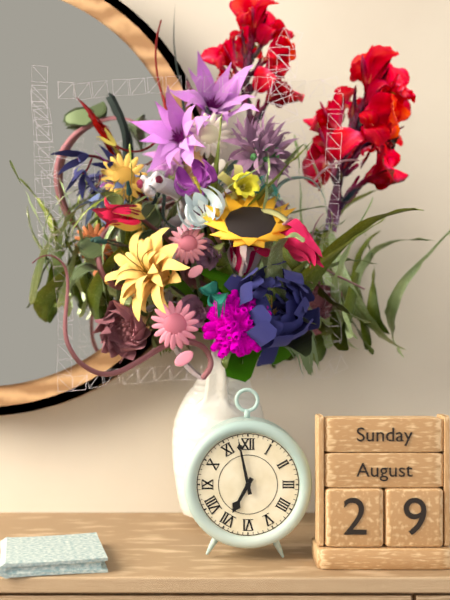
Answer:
6h58
